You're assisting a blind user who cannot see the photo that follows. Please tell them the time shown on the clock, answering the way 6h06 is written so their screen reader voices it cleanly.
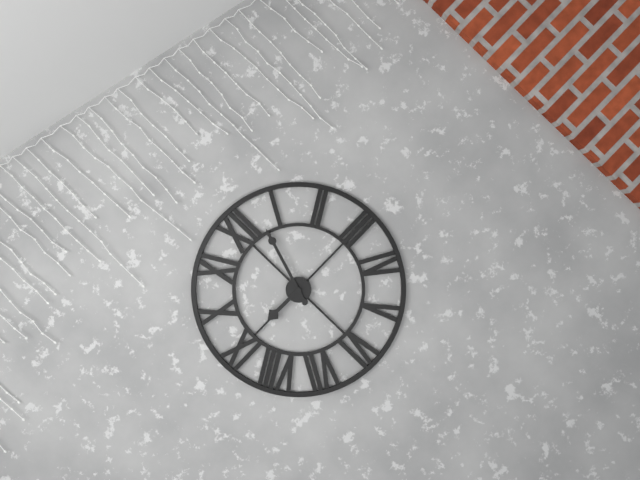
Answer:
9h03
